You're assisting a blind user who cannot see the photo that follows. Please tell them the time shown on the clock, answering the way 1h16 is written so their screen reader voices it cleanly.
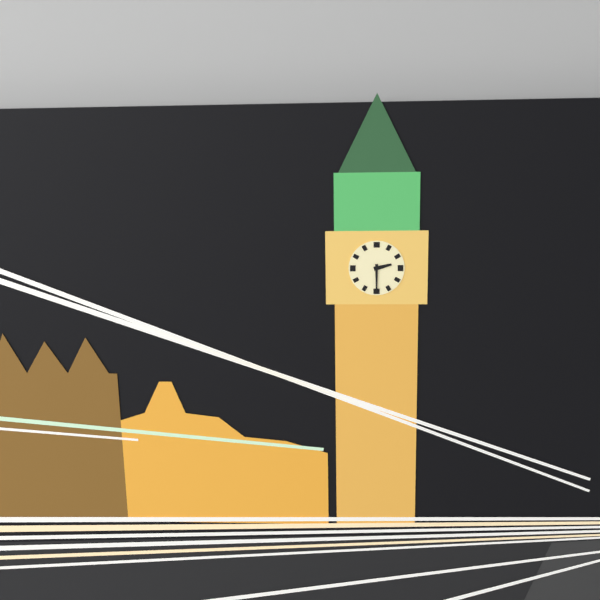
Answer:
2h30
